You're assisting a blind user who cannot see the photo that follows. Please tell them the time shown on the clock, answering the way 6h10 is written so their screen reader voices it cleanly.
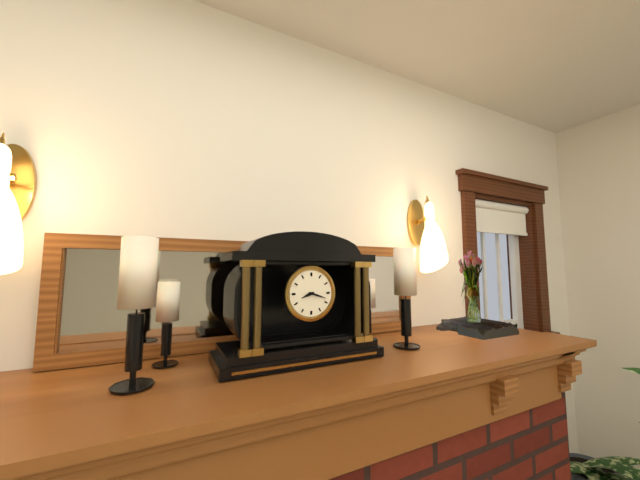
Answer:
8h18
